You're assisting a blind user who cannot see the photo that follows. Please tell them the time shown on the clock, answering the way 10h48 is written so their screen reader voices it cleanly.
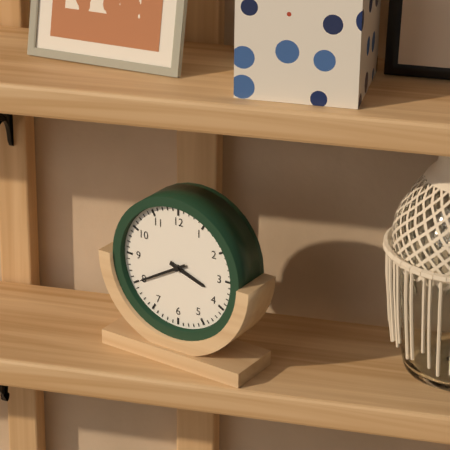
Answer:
3h40
